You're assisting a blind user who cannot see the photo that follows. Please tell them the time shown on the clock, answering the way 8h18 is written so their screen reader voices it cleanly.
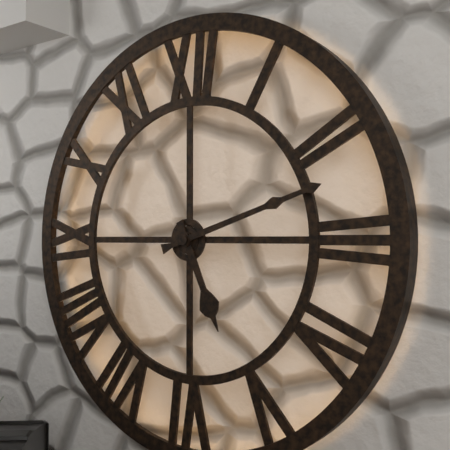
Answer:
5h12
